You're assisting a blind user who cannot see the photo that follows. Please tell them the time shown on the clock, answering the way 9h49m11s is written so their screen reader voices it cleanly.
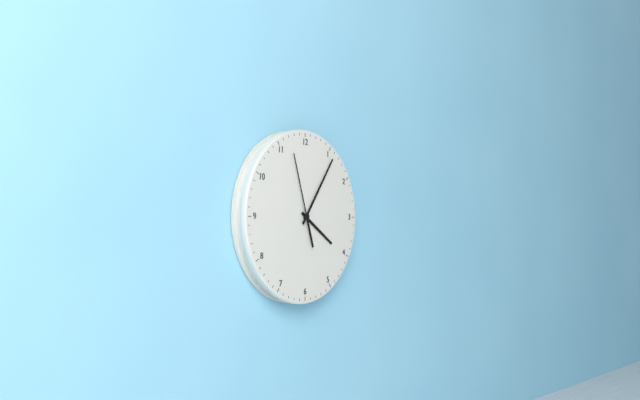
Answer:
4h06m57s
